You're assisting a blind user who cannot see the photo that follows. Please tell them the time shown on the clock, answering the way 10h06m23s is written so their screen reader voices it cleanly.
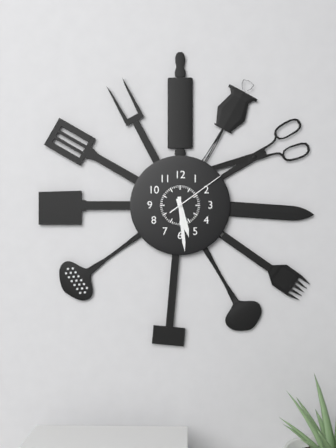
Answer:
5h29m09s
